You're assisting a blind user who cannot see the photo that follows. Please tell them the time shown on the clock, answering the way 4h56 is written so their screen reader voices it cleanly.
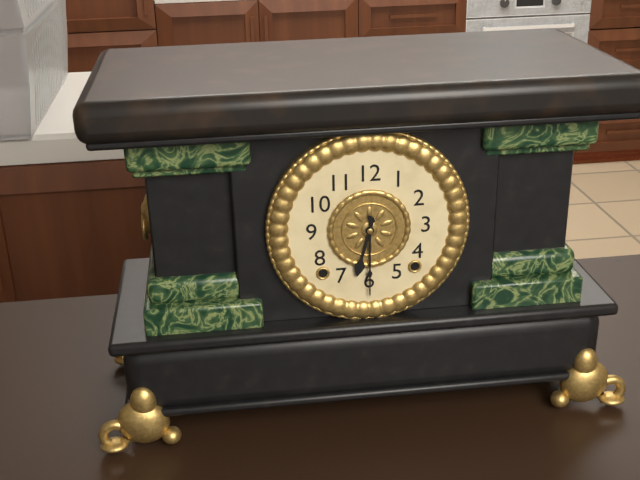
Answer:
6h30
